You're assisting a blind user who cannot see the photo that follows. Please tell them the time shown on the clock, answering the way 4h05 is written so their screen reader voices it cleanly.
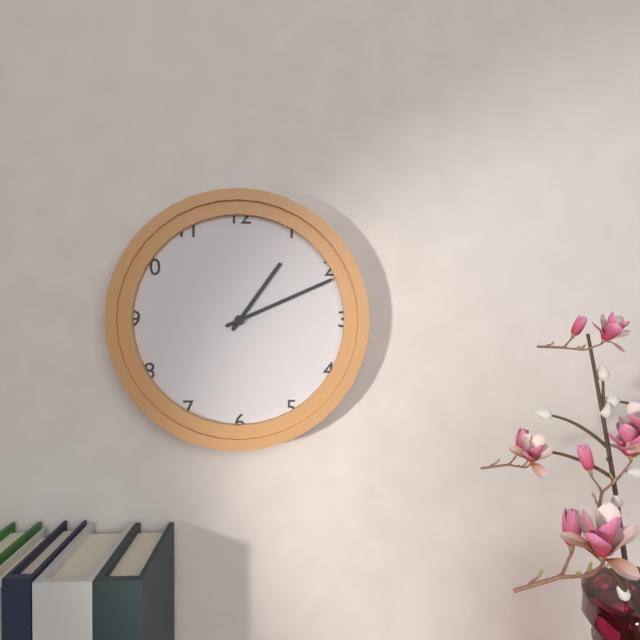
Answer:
1h11
